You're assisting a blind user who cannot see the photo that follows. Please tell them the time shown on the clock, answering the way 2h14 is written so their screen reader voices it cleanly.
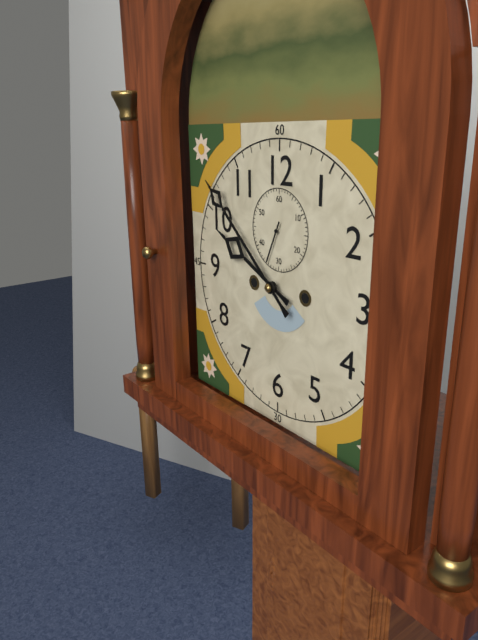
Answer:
9h52
